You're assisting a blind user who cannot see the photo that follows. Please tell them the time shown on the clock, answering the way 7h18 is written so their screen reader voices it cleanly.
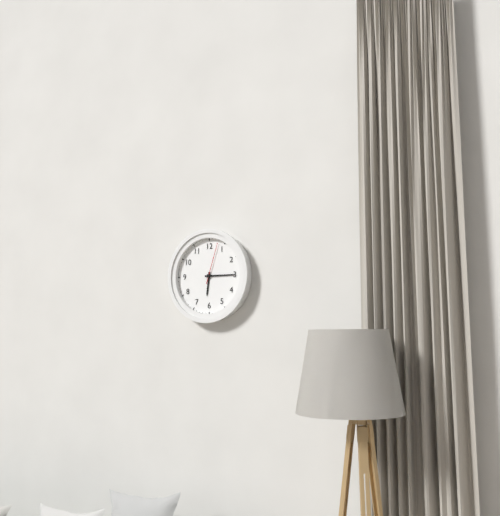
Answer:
6h15
